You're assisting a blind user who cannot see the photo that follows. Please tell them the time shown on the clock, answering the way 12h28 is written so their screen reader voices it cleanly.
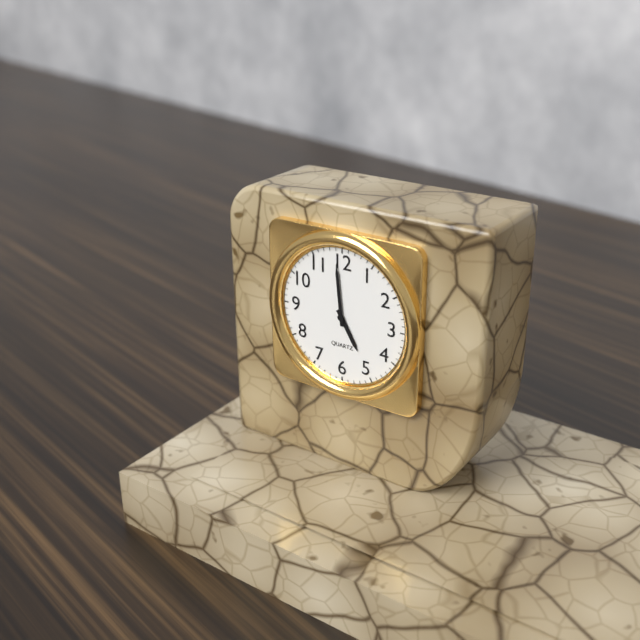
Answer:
4h59
